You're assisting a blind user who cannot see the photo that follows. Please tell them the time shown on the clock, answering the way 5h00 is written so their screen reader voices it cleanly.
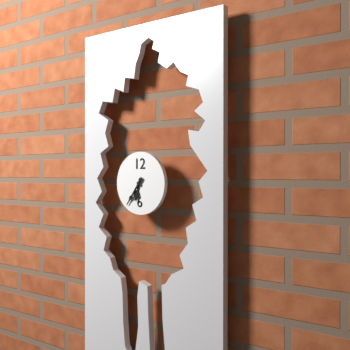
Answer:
6h36
